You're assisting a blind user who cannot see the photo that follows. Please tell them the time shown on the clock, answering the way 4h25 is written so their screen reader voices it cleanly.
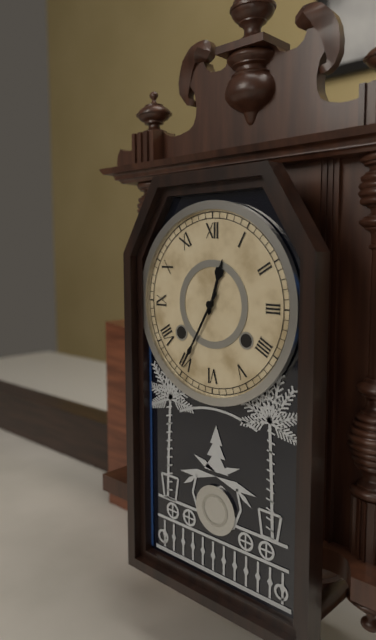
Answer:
12h35
